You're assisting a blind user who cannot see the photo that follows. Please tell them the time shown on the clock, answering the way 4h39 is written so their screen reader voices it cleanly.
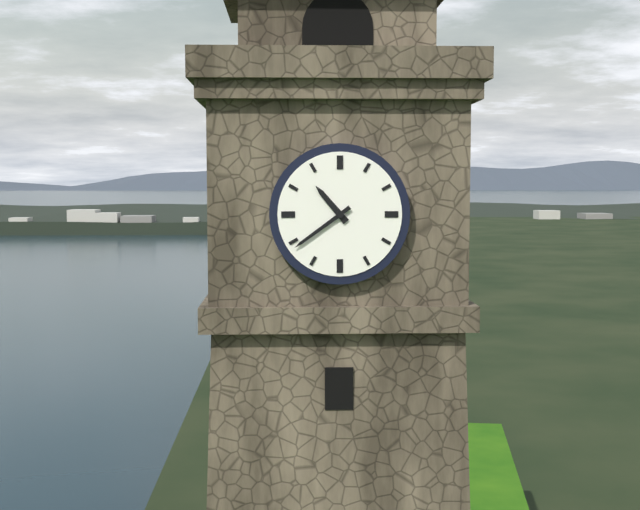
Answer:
10h39
